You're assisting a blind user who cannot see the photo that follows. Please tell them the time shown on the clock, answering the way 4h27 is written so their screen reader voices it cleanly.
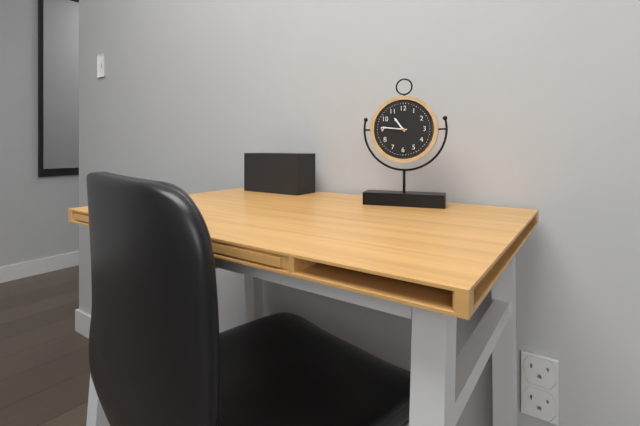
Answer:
10h46
